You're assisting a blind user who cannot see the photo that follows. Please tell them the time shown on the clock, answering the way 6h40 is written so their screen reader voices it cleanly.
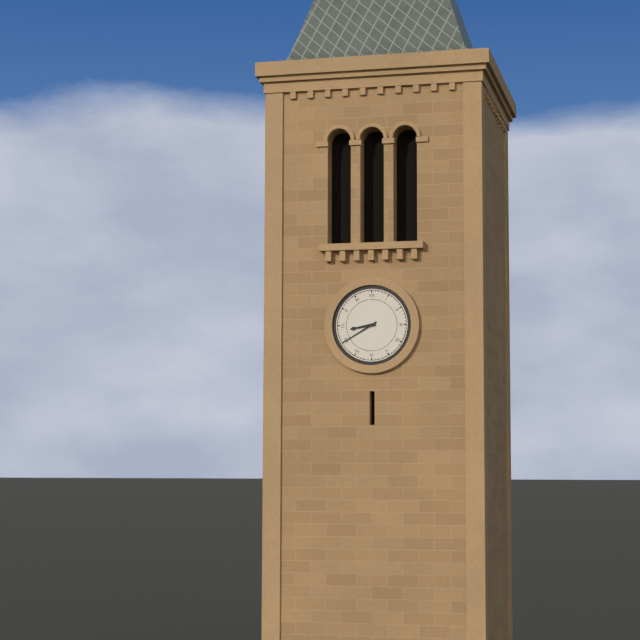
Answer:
8h40
